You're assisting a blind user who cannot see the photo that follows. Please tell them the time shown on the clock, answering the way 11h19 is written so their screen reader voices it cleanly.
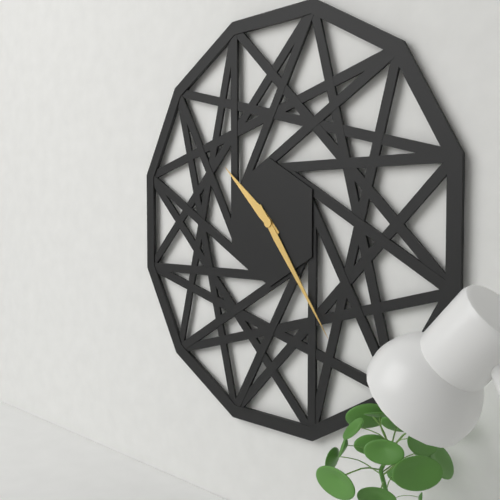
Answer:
10h24
